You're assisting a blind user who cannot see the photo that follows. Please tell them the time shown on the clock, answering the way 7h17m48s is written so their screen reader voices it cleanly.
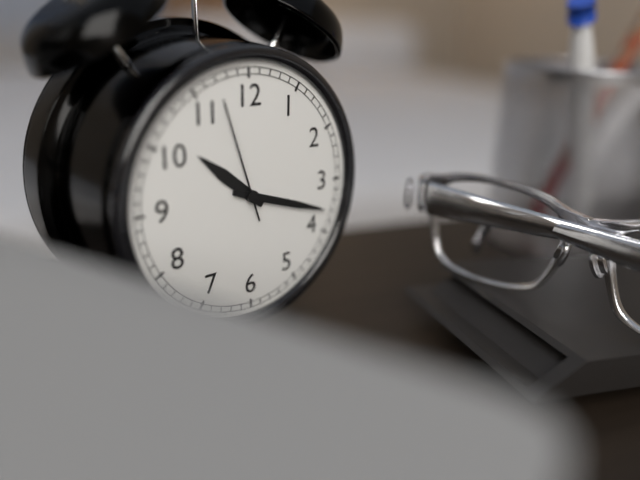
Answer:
10h18m57s
